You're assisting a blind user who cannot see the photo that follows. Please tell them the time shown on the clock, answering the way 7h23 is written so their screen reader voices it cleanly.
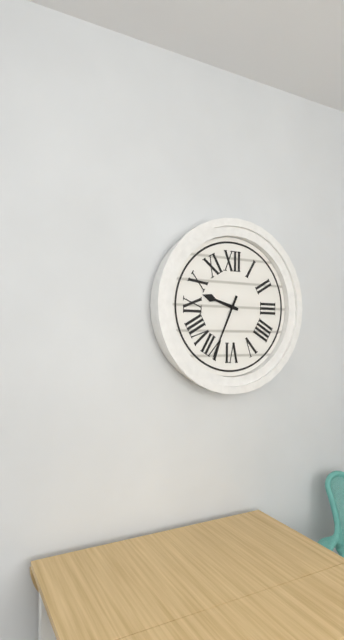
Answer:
9h34
